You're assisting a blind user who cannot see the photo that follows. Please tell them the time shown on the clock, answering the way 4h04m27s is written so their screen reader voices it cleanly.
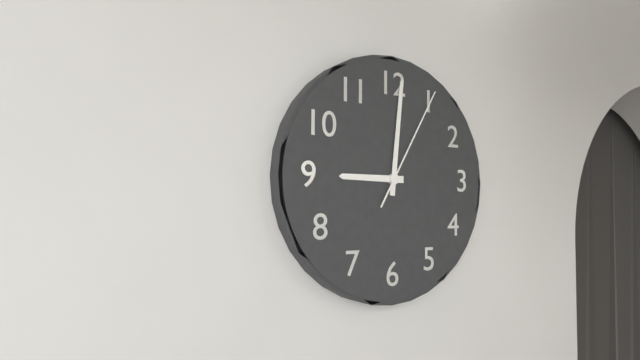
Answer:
9h01m05s
